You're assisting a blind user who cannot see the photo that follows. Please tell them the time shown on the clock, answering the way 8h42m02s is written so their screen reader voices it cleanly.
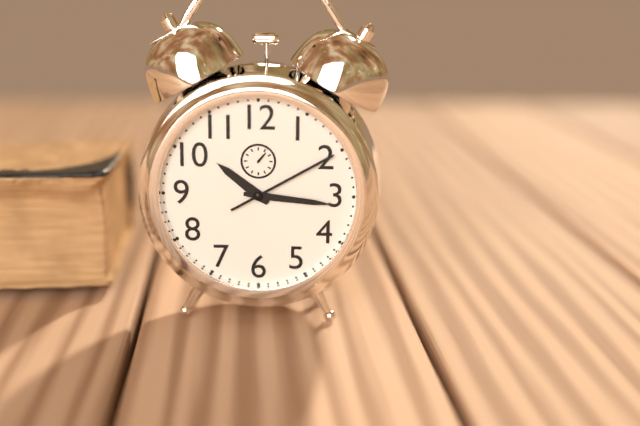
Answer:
10h16m10s
